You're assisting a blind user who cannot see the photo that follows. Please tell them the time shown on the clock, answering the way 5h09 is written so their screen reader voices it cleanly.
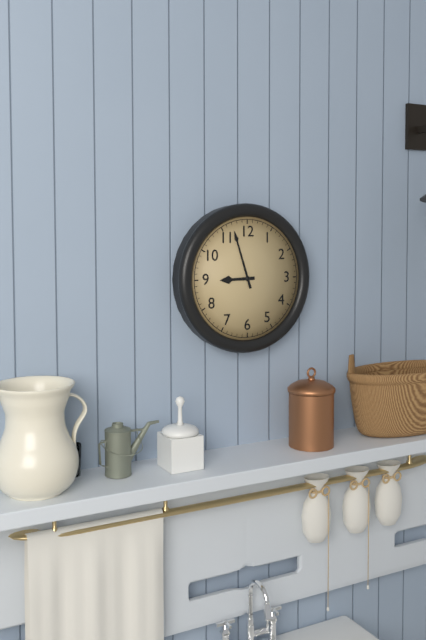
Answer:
8h57
